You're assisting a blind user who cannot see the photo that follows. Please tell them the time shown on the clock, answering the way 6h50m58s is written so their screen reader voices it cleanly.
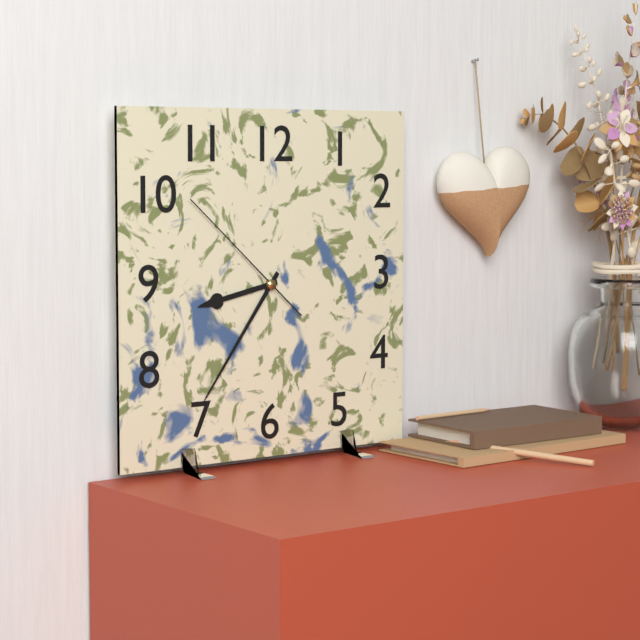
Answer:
8h36m52s
